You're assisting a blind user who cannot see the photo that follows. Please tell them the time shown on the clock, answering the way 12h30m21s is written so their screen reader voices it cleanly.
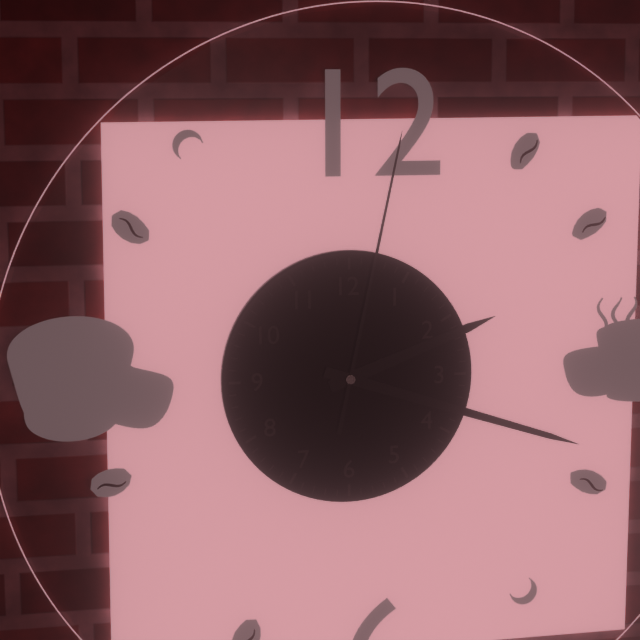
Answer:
2h18m02s
